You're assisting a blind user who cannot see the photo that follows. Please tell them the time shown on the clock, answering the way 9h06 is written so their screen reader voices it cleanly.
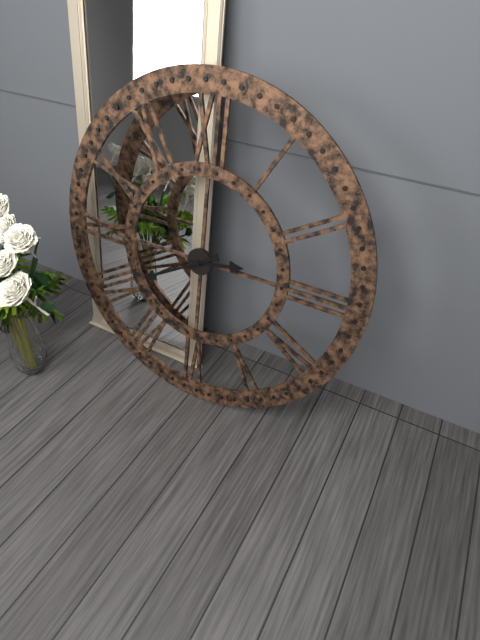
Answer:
2h40
